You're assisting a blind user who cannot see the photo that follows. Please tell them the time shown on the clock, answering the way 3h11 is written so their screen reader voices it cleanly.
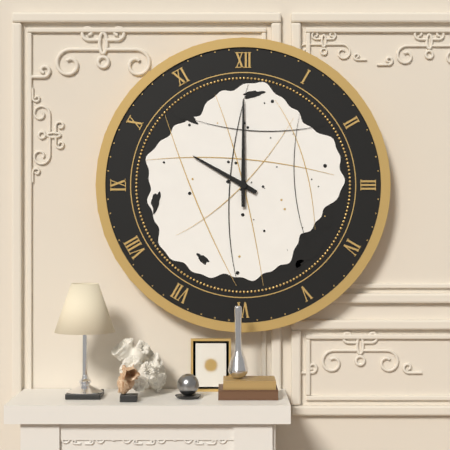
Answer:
10h00
